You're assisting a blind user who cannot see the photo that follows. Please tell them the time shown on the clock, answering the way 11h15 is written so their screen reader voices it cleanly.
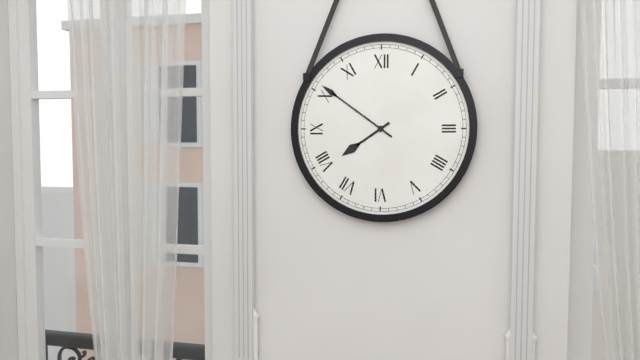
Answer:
7h51
